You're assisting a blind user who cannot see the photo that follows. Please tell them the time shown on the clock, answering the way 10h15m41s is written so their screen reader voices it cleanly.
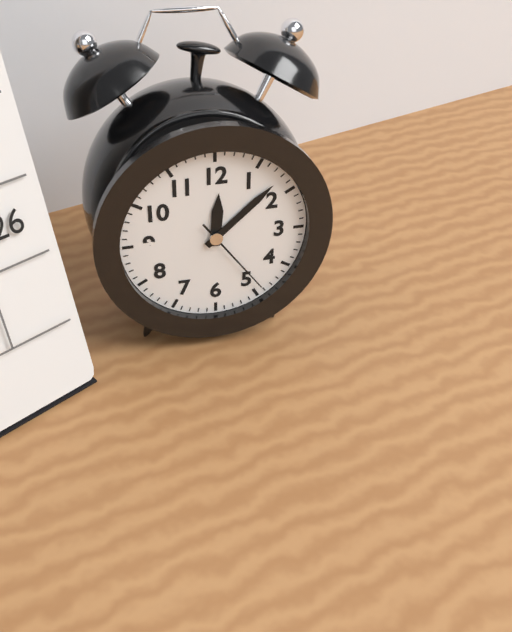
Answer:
12h08m24s
